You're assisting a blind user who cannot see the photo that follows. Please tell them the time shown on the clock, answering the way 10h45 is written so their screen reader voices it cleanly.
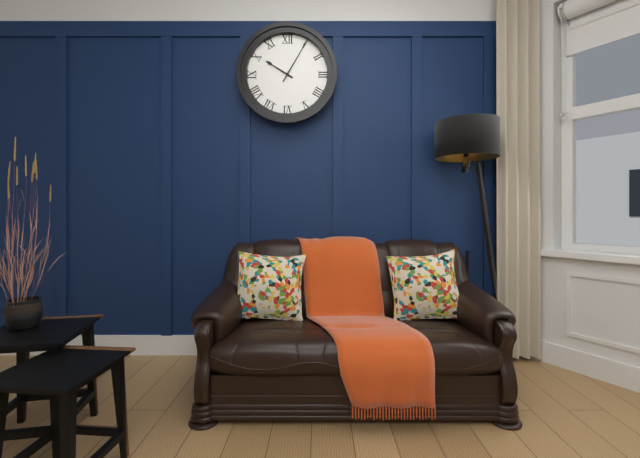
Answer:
10h05
